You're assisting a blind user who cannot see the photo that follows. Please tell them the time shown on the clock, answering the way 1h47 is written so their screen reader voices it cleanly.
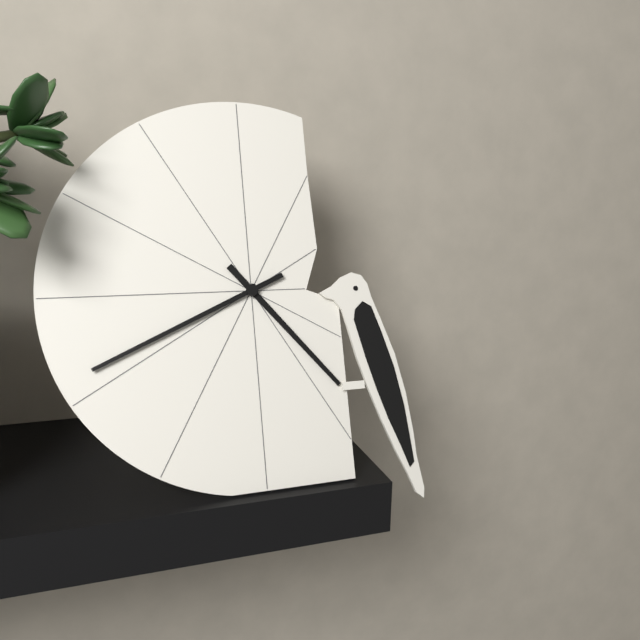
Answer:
4h41
